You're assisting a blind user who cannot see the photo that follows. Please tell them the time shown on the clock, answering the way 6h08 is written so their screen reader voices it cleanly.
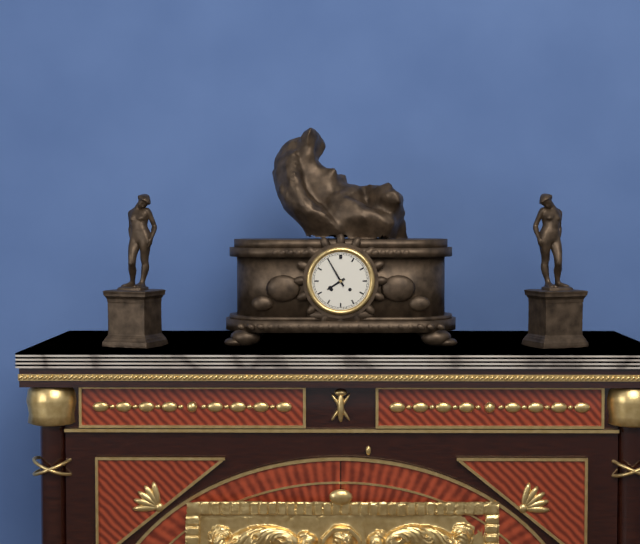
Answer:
7h55
